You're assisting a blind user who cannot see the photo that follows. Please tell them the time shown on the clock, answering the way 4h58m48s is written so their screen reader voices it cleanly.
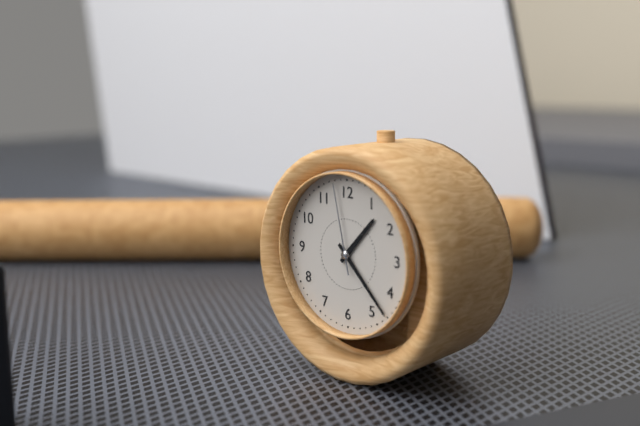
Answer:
1h23m58s
